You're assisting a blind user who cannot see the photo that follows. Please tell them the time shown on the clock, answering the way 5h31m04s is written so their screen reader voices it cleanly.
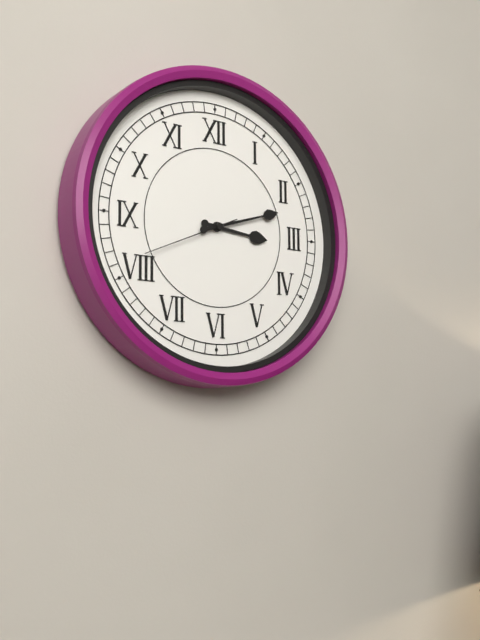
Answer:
3h12m41s
